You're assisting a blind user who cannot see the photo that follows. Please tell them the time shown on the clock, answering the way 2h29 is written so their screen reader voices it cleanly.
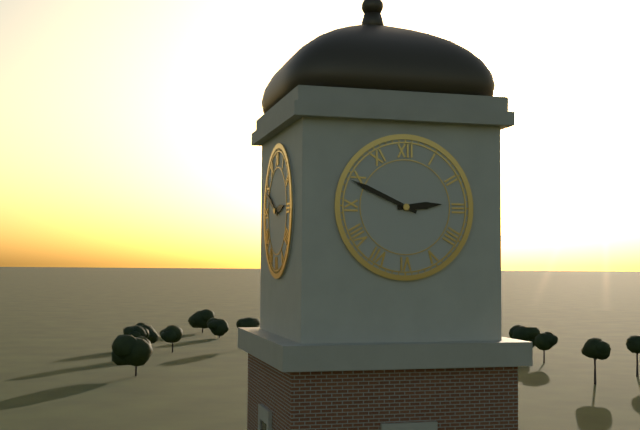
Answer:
2h49
